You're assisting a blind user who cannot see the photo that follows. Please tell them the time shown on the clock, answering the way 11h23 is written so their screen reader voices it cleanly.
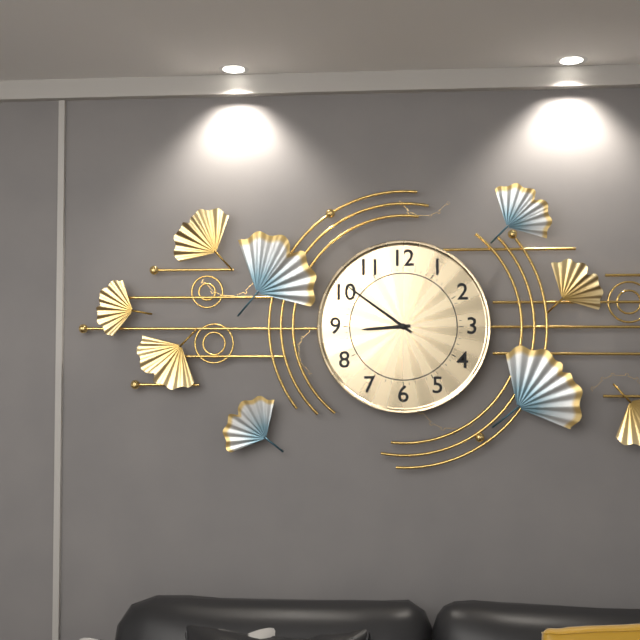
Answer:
8h51
